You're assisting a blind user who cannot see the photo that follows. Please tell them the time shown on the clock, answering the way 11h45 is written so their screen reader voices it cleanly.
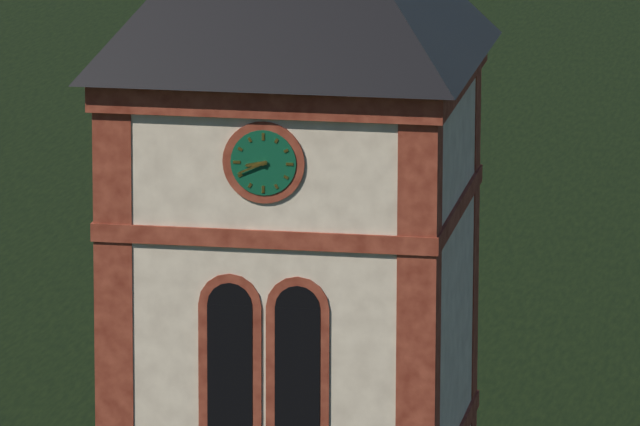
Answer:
8h41
